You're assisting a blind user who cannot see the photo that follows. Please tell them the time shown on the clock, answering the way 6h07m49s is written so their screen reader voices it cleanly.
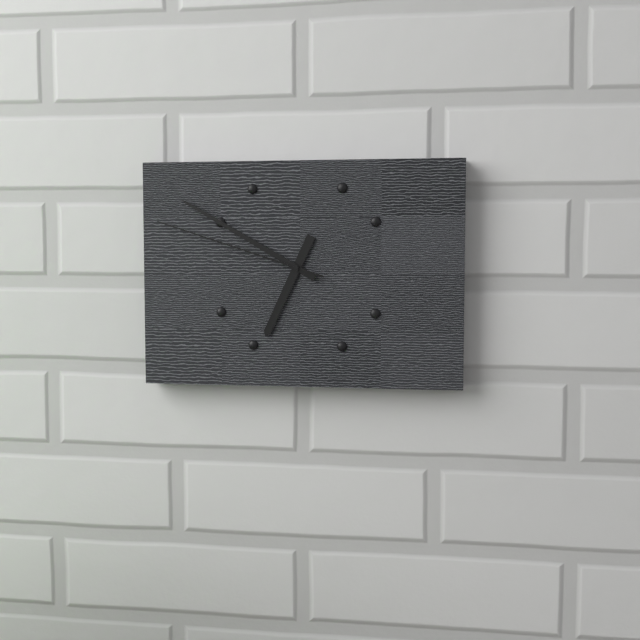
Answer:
6h50m48s
